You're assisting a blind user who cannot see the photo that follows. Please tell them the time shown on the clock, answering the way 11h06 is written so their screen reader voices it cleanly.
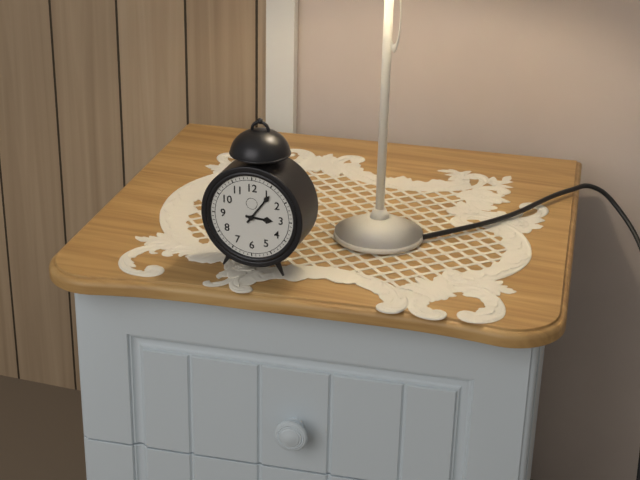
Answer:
3h06
